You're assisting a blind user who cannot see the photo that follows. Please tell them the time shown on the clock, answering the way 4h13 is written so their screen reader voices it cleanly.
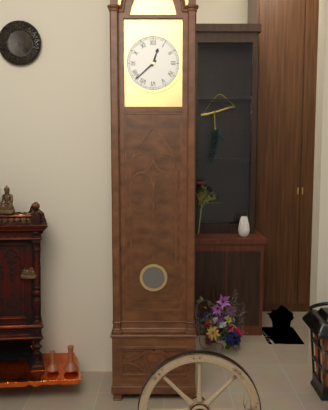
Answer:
12h38
